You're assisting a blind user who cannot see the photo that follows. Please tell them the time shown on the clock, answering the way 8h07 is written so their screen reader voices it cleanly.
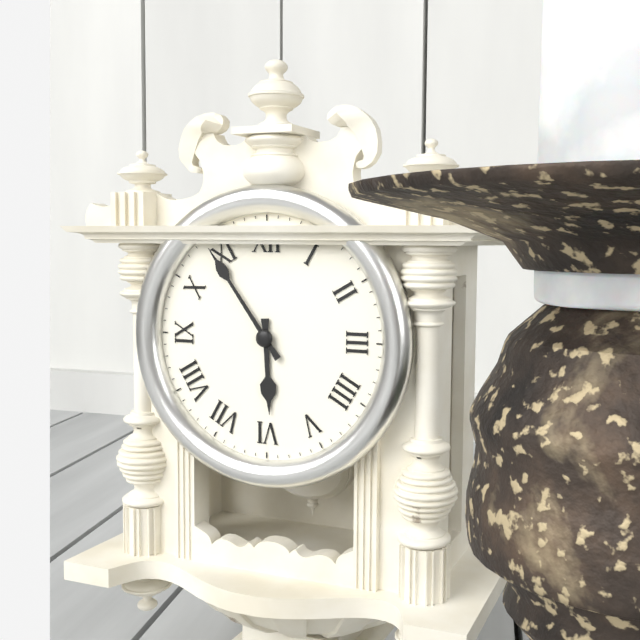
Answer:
5h54
